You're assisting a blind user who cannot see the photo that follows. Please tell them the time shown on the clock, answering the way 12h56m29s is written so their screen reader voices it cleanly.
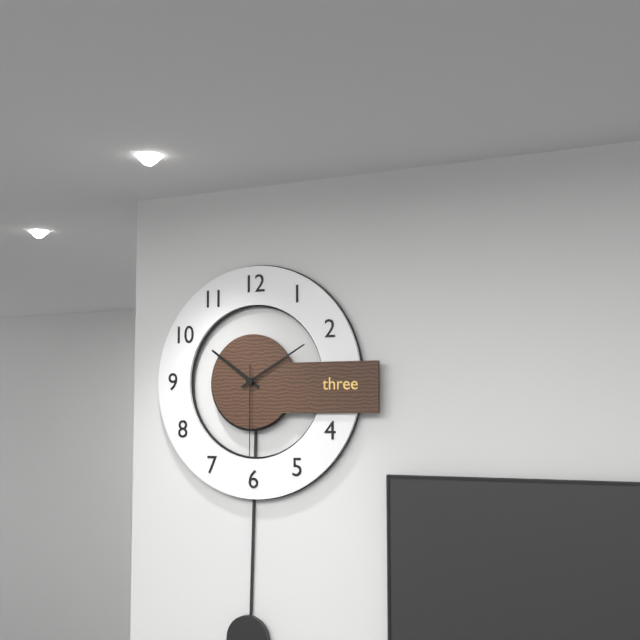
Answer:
10h10m30s
